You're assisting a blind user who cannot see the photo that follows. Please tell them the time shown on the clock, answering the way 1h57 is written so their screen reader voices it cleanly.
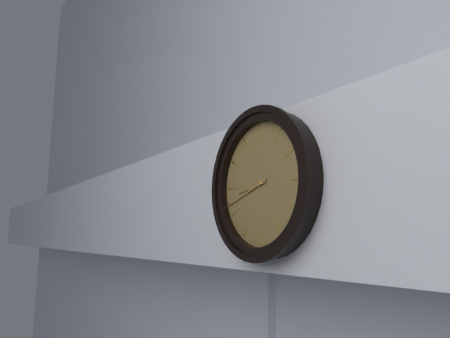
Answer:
8h42
